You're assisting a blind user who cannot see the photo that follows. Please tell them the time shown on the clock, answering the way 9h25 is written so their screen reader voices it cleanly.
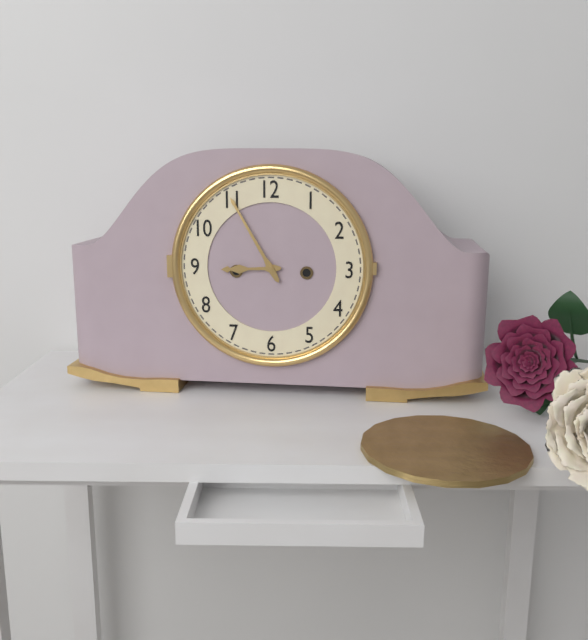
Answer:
8h55
